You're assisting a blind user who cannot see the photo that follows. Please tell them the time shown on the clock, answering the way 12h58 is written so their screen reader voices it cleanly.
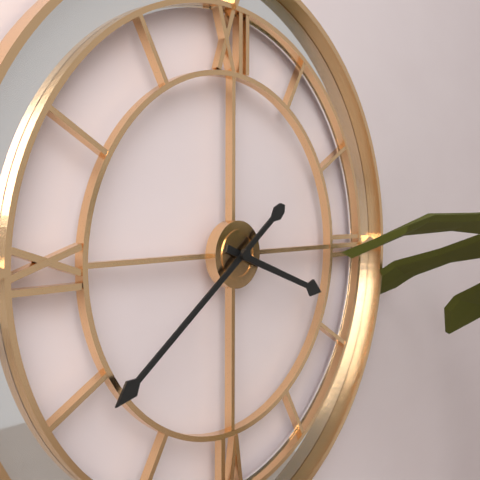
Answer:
3h39
